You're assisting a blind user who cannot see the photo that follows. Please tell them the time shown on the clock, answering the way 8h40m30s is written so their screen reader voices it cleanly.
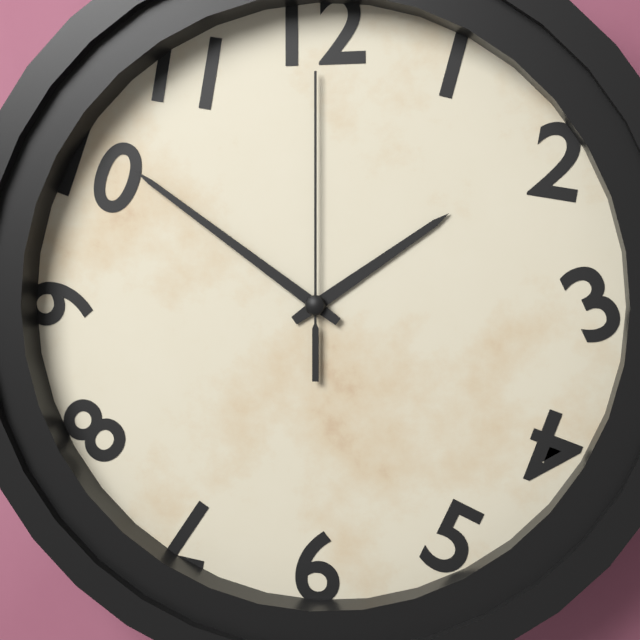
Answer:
1h51m00s
